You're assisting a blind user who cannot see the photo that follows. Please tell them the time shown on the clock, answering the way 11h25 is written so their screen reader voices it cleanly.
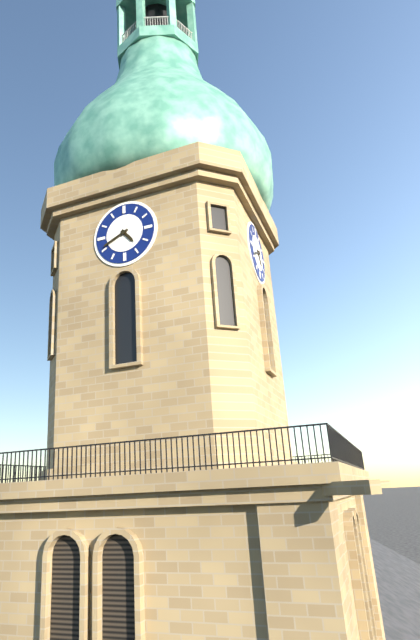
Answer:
4h41
